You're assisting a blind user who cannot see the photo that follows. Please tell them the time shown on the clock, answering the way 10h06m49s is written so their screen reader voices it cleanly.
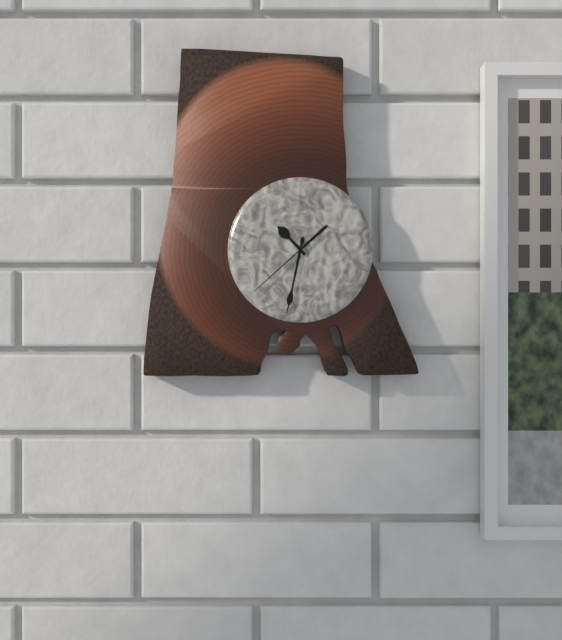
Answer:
10h32m38s
